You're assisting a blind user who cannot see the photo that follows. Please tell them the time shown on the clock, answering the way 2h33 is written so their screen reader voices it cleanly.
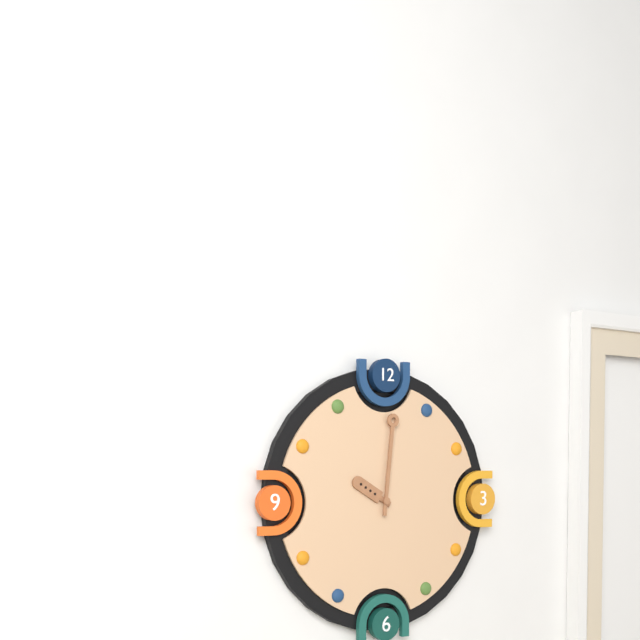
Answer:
10h01
